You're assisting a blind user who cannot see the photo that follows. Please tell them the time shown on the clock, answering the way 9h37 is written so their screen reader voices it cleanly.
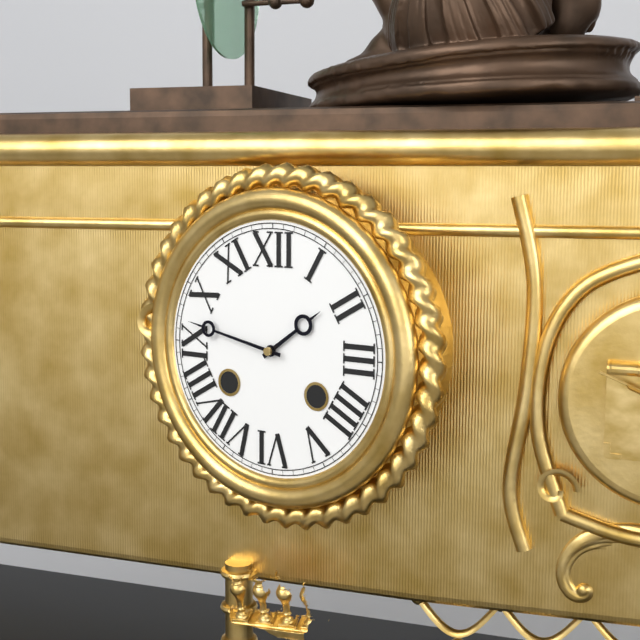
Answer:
1h47
